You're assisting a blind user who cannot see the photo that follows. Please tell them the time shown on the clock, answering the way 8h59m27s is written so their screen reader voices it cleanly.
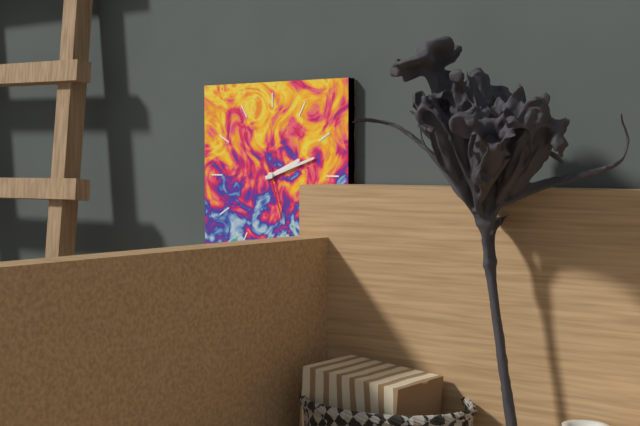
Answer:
2h12m27s
